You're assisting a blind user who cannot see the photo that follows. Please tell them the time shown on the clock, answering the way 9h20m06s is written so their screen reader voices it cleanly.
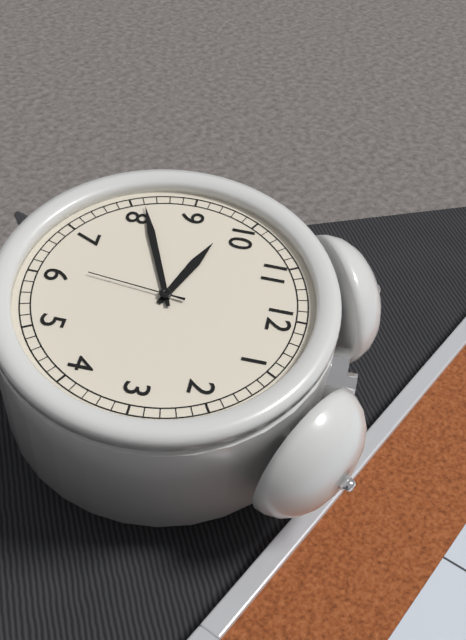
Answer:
9h41m31s
